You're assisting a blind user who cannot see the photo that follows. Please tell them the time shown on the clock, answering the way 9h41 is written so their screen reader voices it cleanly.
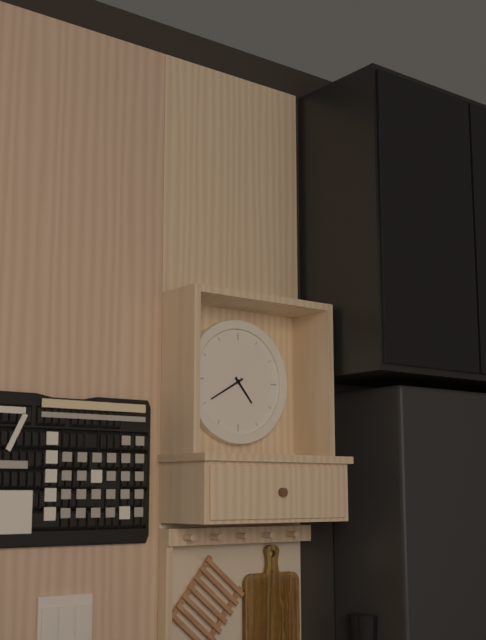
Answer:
4h40
